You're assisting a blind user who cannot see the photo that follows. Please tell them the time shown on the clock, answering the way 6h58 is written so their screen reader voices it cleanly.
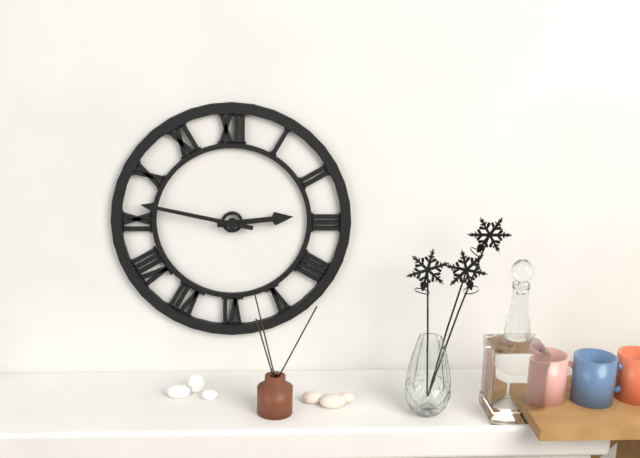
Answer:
2h47
